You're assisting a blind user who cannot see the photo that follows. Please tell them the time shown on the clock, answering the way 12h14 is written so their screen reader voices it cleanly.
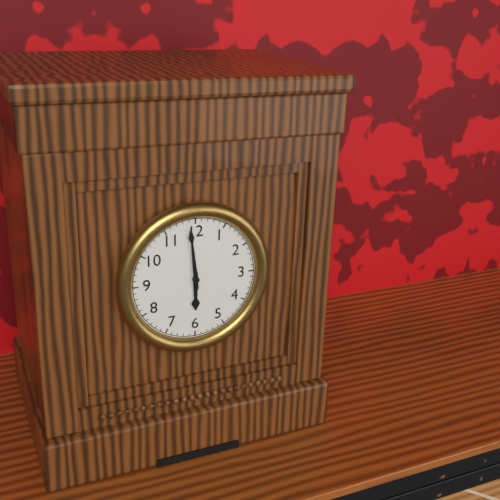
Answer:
5h59
